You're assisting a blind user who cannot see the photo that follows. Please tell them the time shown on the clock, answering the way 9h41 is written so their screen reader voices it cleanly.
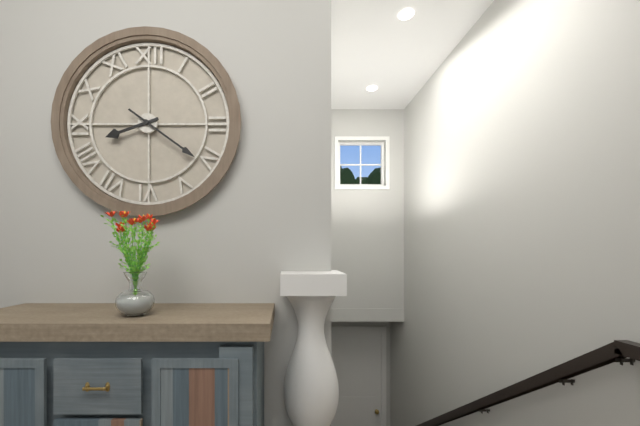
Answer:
8h21
